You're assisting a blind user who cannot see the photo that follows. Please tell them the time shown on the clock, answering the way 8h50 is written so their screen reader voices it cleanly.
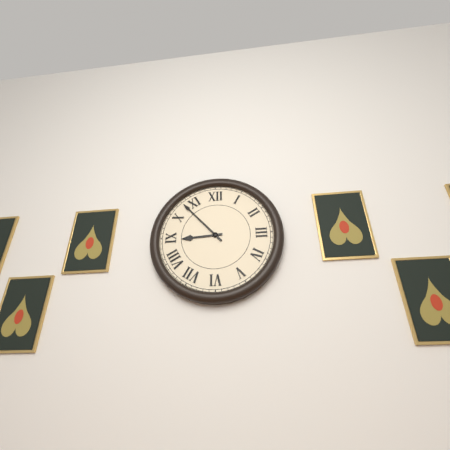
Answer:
8h53
